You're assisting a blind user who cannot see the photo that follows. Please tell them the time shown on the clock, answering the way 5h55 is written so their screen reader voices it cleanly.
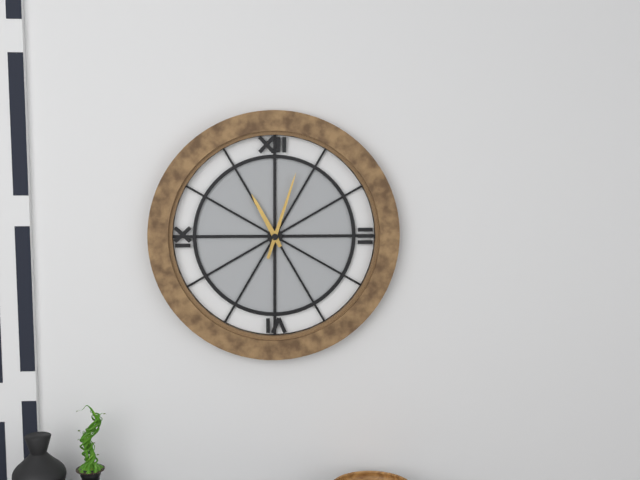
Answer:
11h03
